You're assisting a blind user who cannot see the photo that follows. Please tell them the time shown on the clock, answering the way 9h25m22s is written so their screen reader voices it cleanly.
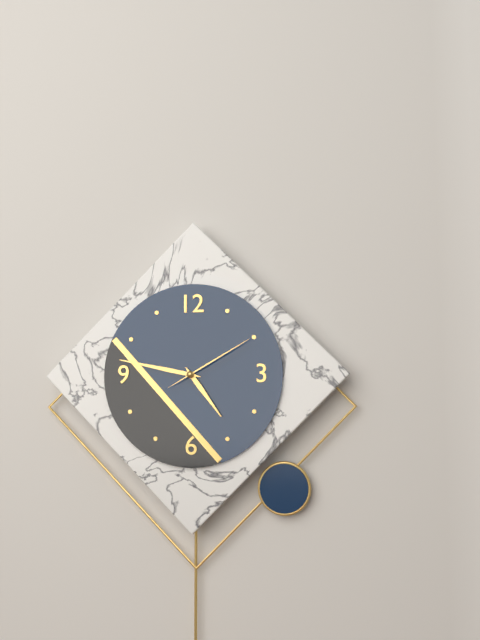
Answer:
4h47m10s
